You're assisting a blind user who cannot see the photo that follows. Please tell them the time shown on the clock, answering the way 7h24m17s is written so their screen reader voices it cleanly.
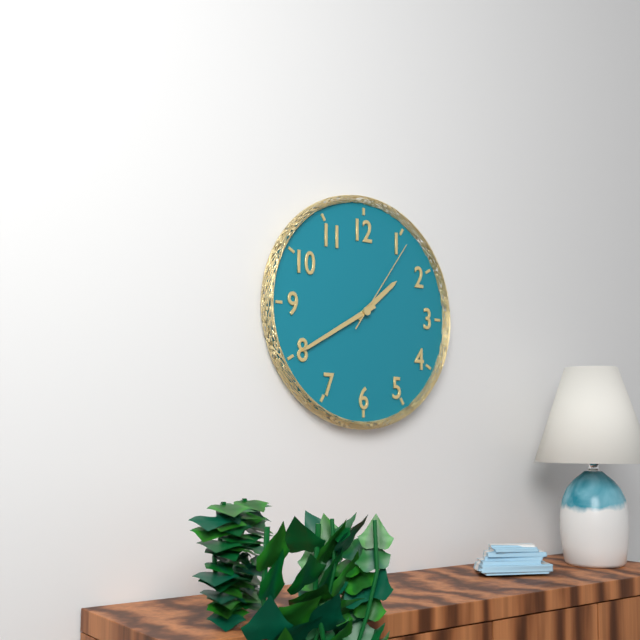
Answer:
1h40m06s
